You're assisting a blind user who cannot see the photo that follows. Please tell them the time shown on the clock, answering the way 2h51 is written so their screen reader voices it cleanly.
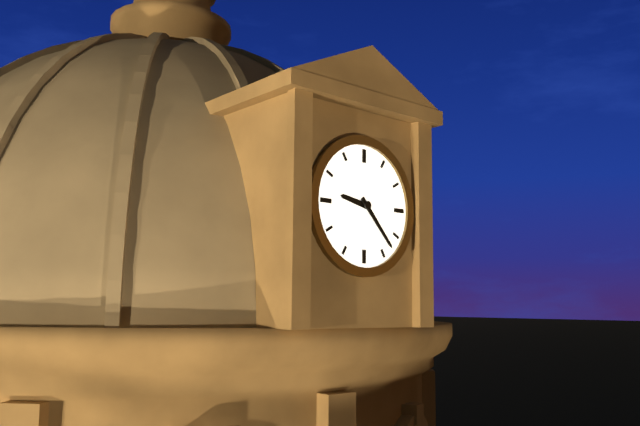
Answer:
9h23
